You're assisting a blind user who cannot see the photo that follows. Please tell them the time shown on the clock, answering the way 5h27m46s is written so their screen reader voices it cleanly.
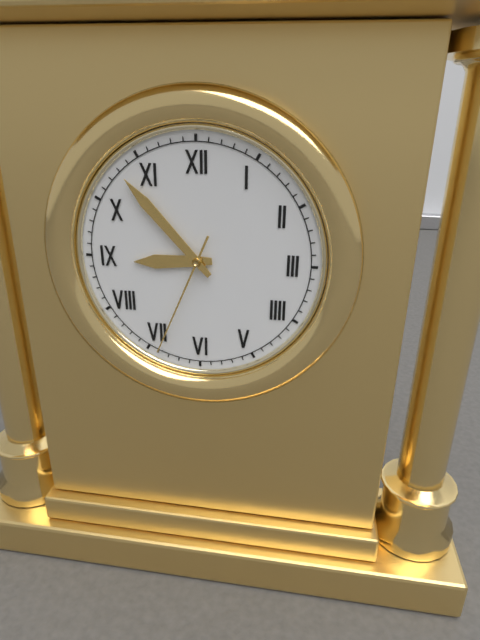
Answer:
8h53m34s
